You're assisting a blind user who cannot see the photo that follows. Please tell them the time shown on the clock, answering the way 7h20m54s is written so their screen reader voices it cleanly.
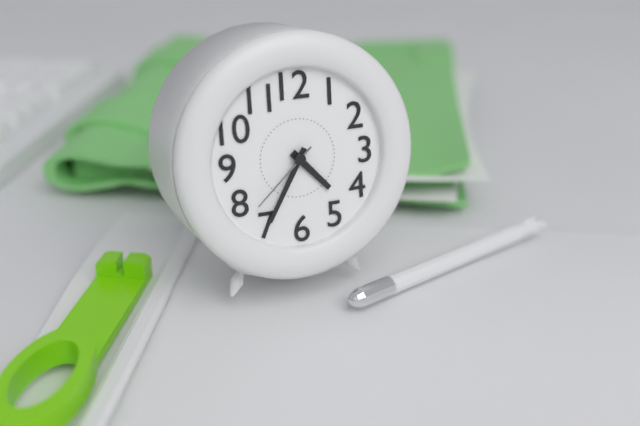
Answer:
4h35m38s
